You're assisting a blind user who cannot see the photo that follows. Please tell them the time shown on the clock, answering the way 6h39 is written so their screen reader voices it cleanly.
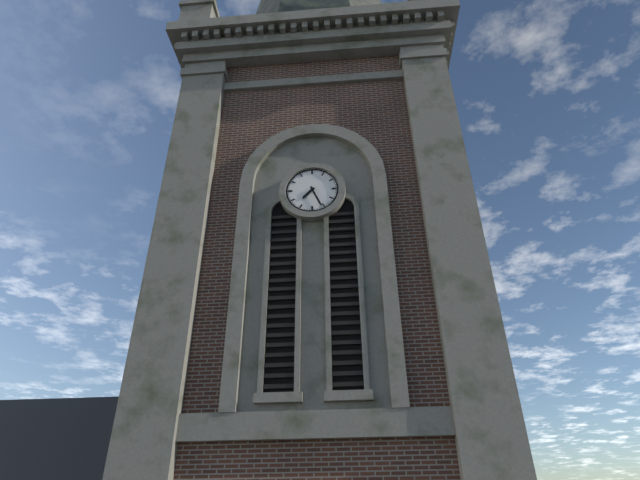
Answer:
7h26
